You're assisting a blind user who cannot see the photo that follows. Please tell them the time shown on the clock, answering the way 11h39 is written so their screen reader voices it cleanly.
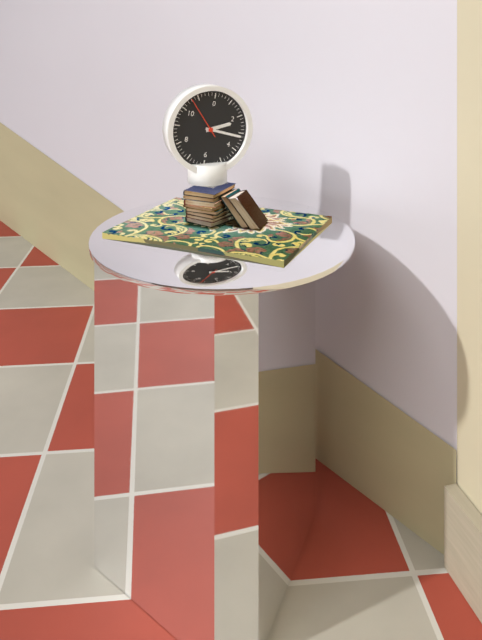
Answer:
2h16
